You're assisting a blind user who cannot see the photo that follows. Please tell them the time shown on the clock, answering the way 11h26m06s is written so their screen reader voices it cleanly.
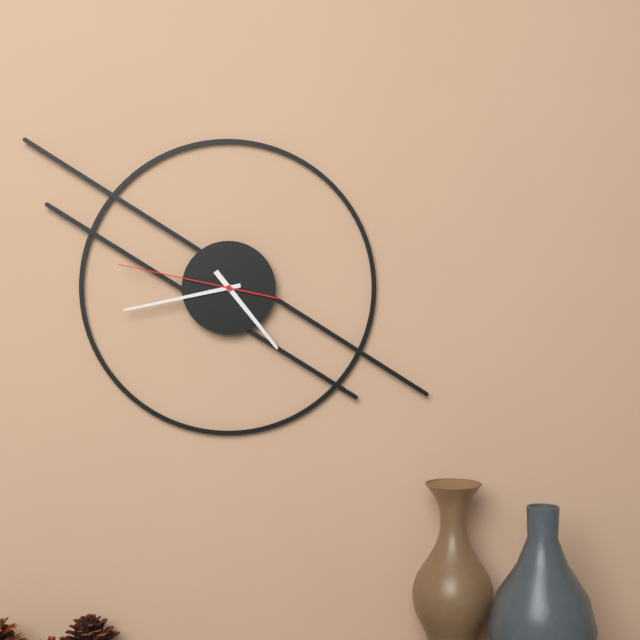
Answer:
4h43m47s
